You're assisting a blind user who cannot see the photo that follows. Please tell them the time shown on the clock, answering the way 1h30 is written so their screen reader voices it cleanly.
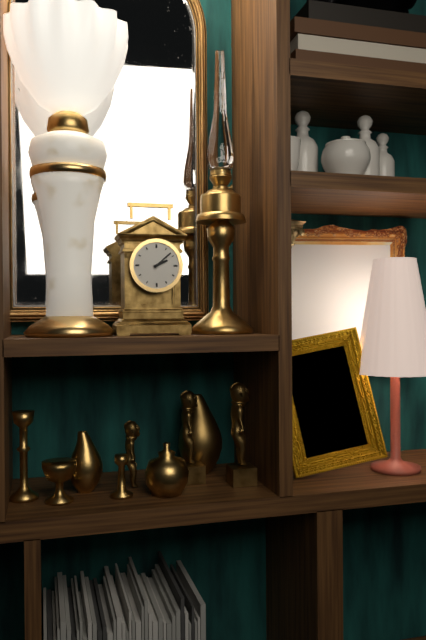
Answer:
2h08
